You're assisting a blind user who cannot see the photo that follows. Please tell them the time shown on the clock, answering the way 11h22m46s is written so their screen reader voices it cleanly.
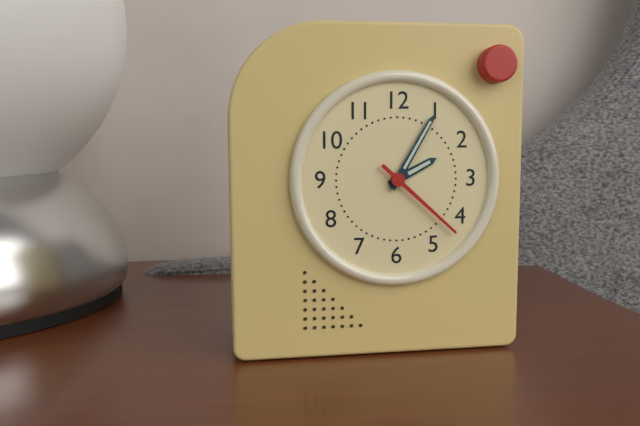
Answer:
2h05m22s
